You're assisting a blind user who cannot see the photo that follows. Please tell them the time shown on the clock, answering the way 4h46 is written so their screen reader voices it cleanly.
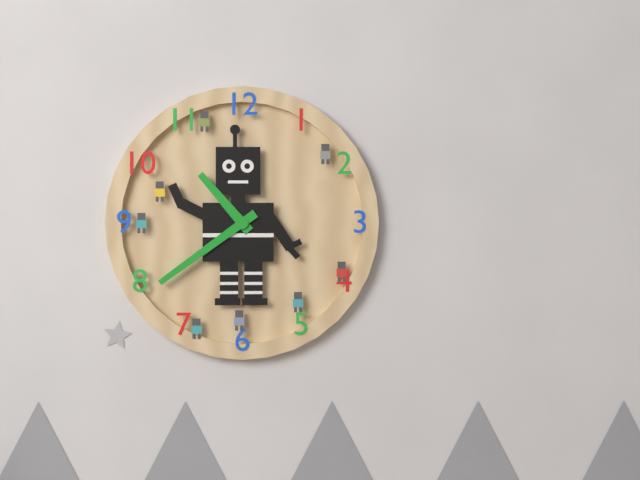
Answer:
10h39
